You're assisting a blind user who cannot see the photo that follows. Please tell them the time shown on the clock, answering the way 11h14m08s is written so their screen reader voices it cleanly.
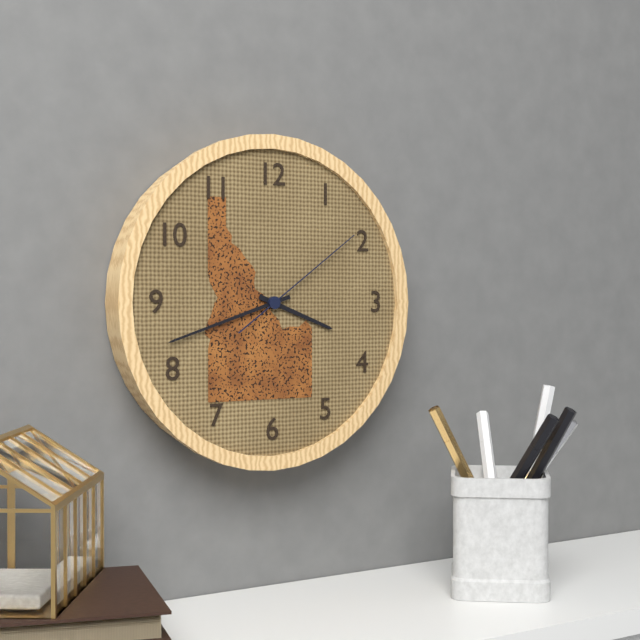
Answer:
3h42m09s
